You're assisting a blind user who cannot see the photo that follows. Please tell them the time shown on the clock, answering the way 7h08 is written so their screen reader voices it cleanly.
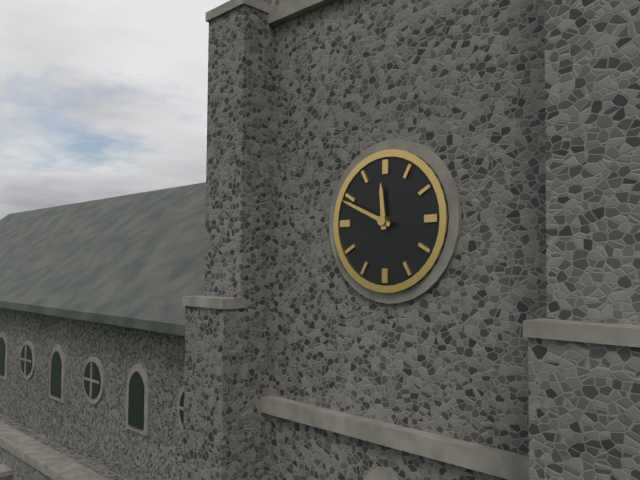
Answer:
11h49
